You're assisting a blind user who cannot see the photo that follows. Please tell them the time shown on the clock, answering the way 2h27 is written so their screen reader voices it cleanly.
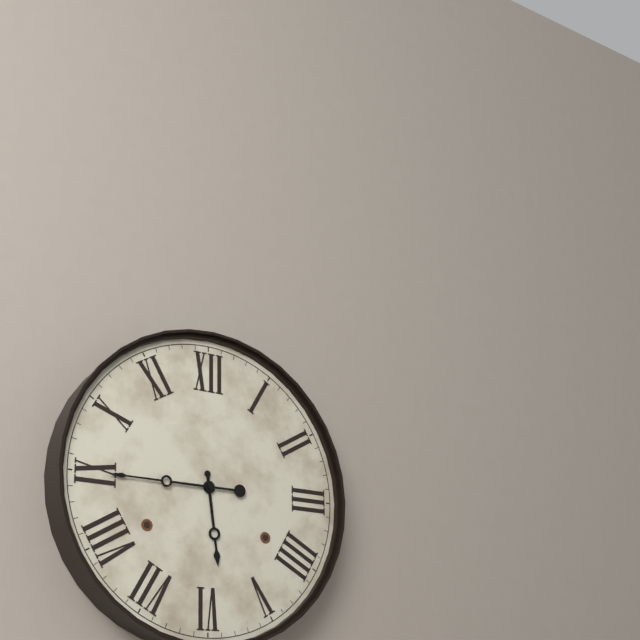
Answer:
5h45
